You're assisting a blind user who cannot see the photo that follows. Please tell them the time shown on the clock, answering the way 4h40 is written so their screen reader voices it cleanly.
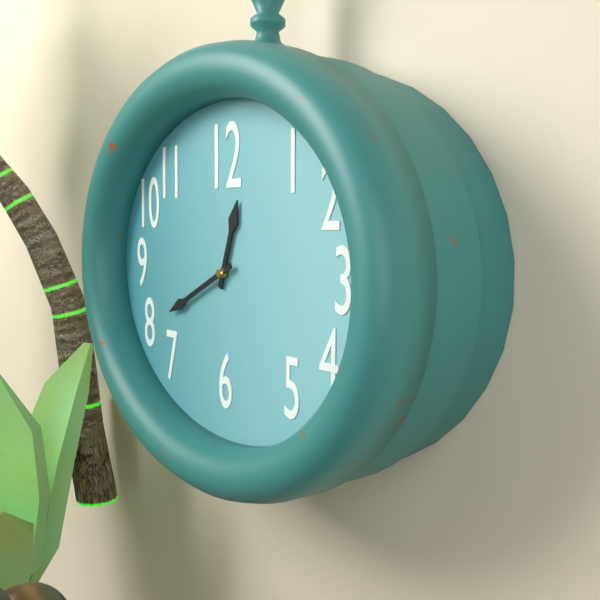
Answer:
12h41
